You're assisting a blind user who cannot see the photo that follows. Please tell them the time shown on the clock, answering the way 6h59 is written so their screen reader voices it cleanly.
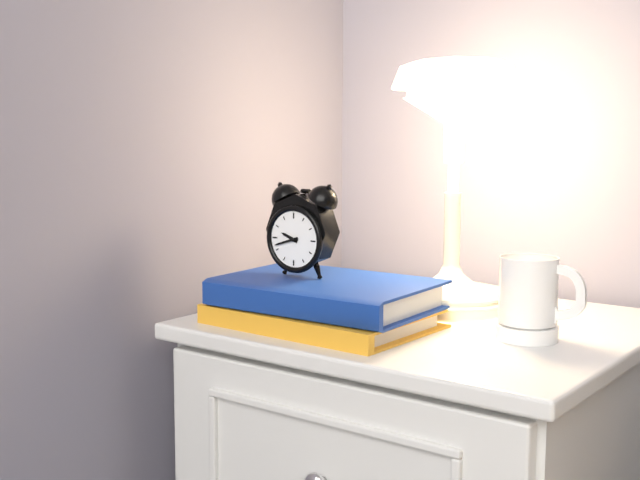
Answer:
9h42
